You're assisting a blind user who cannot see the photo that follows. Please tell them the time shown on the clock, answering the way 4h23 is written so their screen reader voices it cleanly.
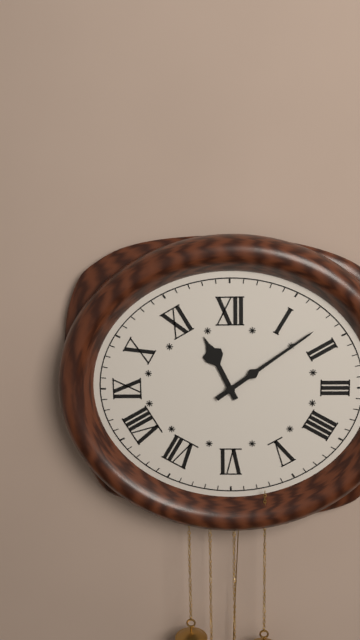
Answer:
11h09
